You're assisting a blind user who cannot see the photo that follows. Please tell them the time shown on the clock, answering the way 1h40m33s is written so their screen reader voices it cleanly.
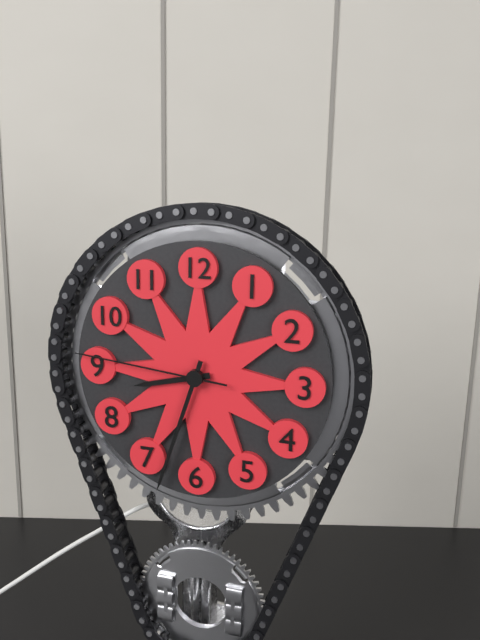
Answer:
8h33m46s
